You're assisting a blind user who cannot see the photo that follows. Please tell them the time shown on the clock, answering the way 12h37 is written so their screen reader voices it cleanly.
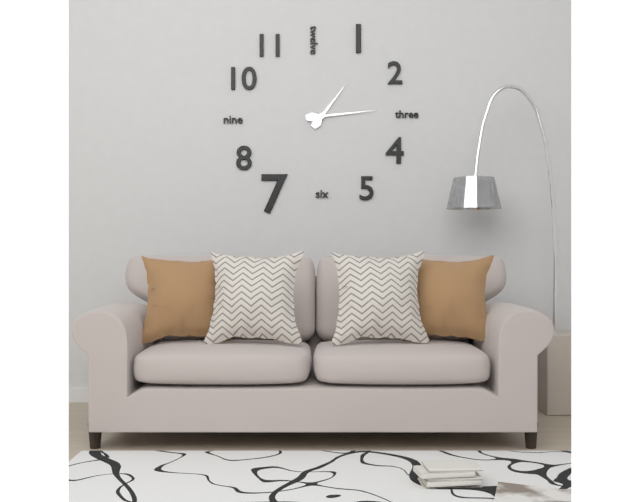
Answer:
1h14
